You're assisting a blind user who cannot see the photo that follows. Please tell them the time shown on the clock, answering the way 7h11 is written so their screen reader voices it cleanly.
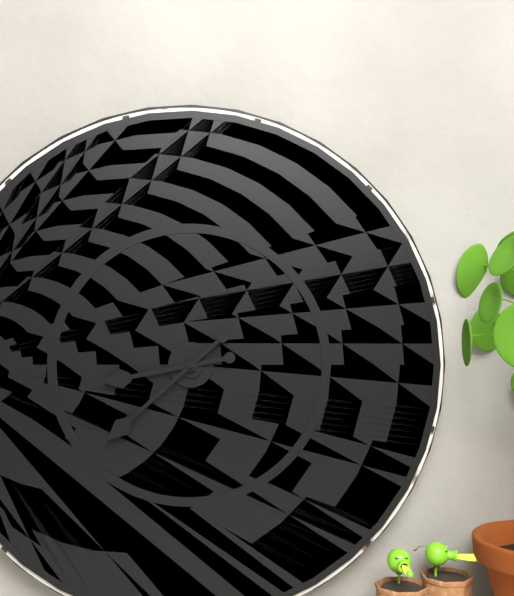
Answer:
8h38
